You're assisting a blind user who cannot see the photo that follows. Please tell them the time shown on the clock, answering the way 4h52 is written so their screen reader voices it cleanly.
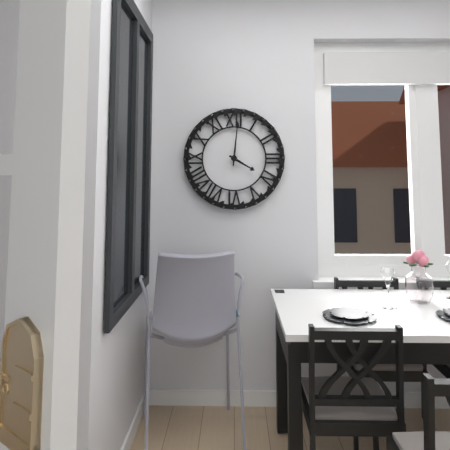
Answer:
4h01
